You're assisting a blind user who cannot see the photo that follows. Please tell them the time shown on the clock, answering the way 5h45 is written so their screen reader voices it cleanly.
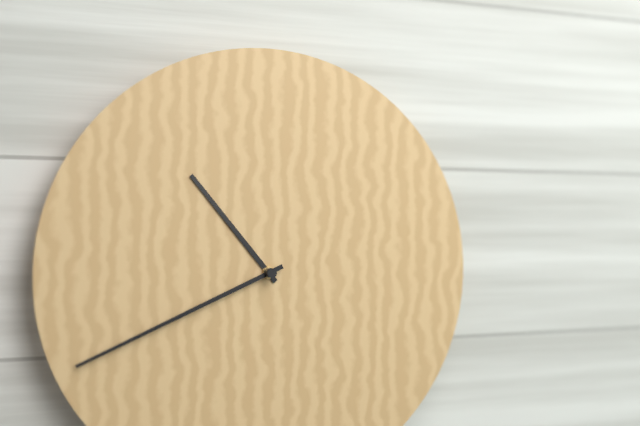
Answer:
10h41
